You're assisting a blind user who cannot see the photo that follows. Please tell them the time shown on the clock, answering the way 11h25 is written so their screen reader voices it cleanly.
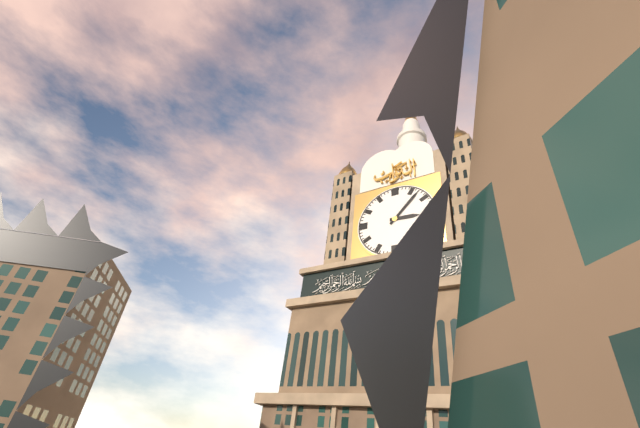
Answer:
3h07
